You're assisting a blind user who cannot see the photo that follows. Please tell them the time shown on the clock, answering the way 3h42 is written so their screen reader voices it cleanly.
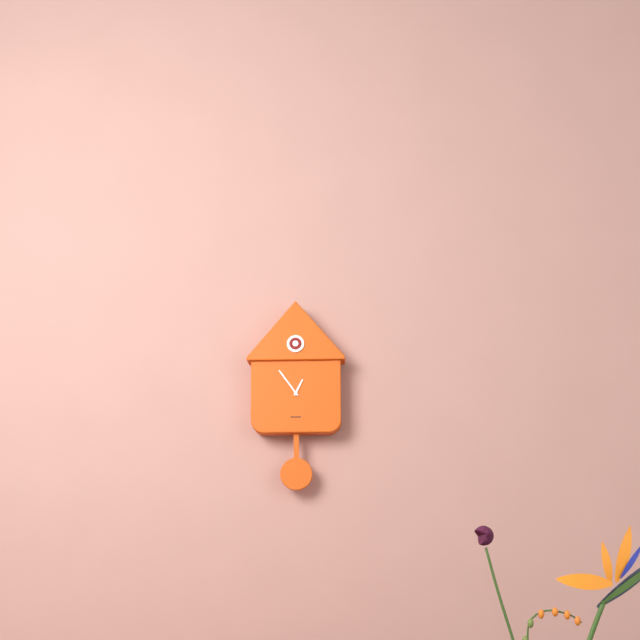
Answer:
12h54
